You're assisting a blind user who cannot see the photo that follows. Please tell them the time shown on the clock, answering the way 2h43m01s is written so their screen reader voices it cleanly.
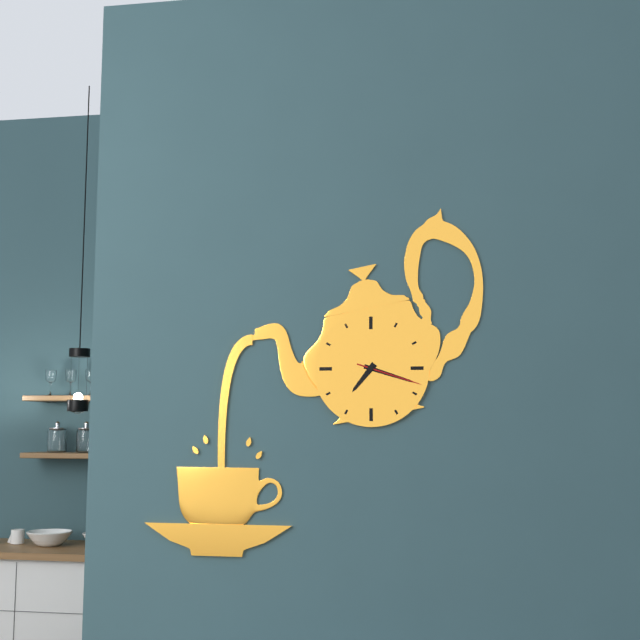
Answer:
7h18m18s
